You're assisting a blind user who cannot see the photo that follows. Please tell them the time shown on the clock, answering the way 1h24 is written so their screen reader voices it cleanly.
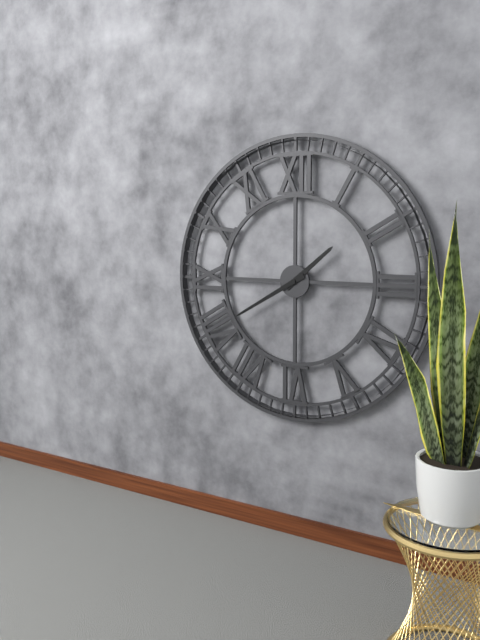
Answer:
1h40
